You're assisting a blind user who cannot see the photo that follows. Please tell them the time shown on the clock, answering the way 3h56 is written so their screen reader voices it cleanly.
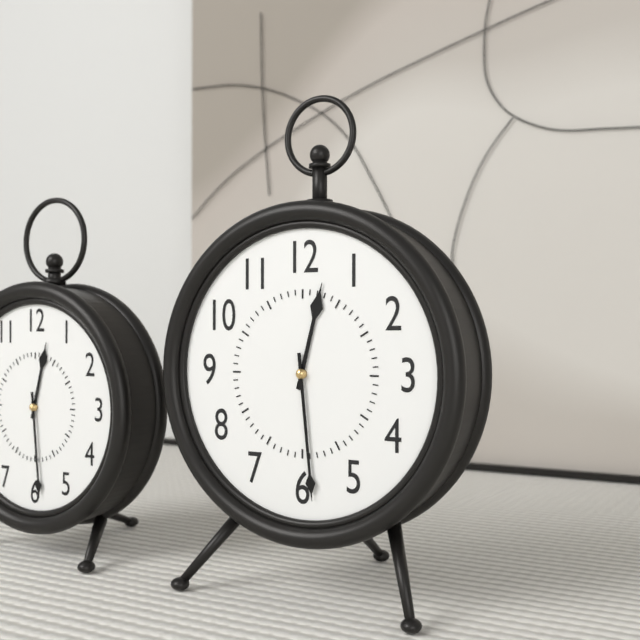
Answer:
12h29
